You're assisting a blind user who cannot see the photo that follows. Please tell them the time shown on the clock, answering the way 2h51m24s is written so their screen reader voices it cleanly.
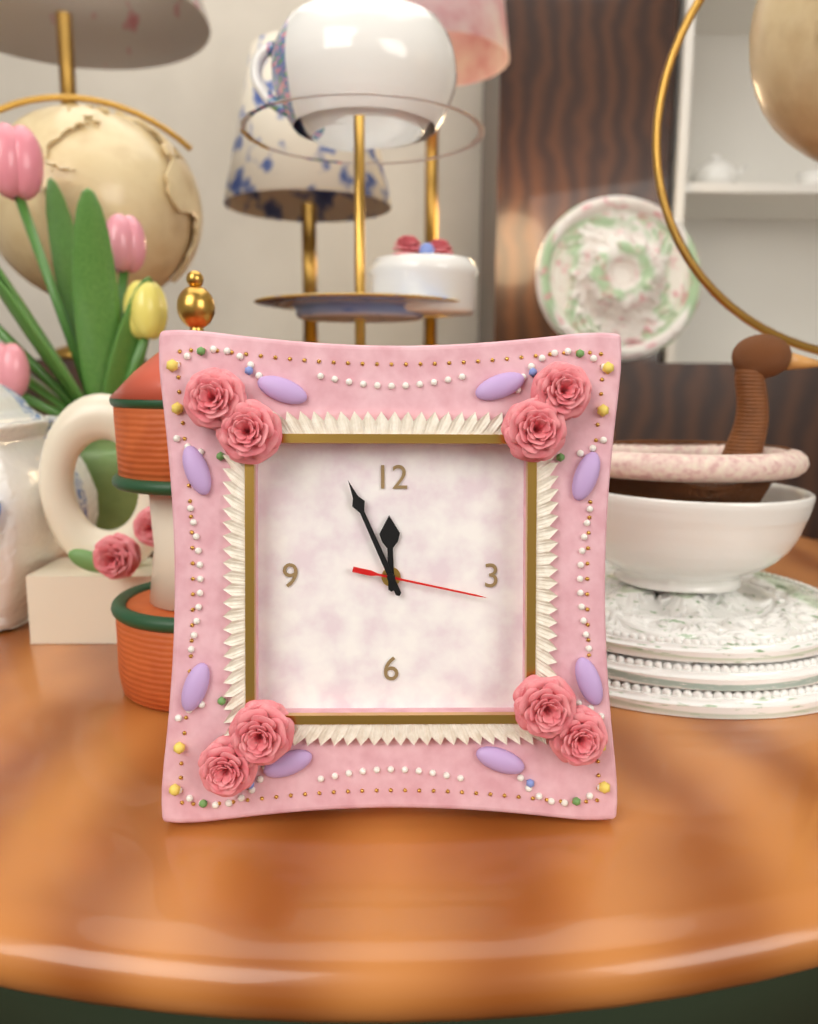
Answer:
11h56m17s
